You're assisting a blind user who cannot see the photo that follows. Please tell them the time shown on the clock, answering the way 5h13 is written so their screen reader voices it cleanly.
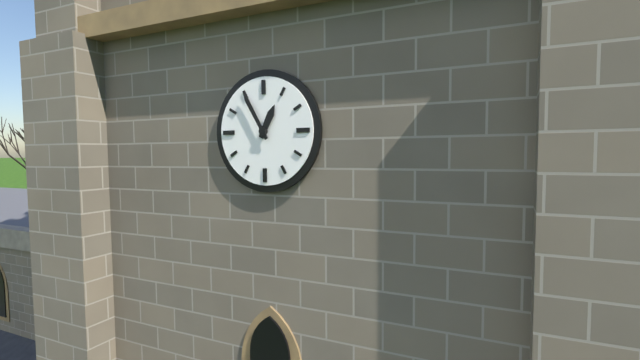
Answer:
12h55
